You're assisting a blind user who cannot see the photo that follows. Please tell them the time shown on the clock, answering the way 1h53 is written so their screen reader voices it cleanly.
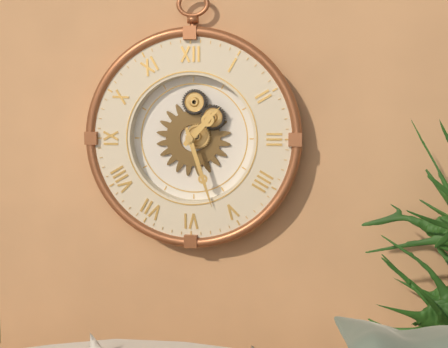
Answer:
1h27
